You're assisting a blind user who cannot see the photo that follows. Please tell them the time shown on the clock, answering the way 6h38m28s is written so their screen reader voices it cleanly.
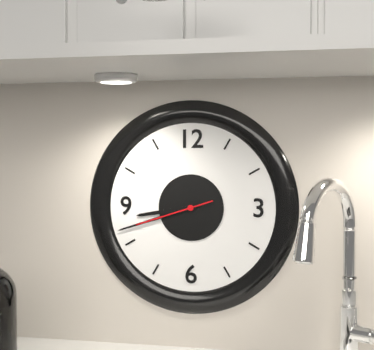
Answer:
8h42m42s
